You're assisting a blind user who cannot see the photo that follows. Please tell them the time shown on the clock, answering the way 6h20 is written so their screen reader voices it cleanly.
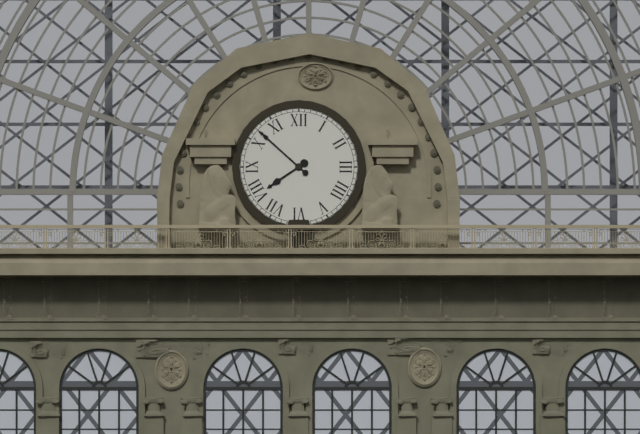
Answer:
7h52
